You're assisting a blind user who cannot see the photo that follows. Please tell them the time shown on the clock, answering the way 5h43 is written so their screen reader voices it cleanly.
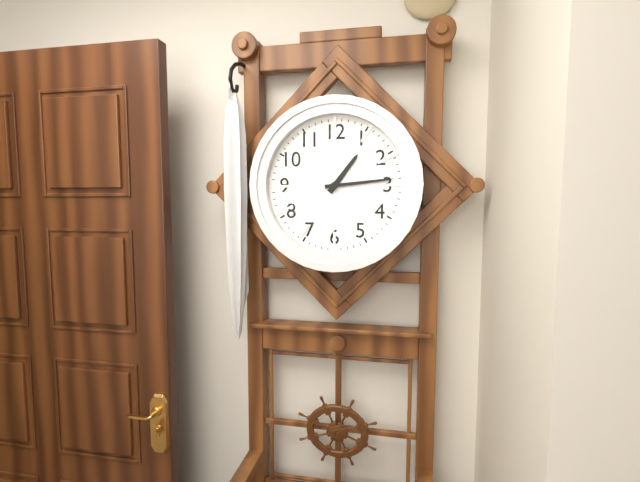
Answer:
1h14
